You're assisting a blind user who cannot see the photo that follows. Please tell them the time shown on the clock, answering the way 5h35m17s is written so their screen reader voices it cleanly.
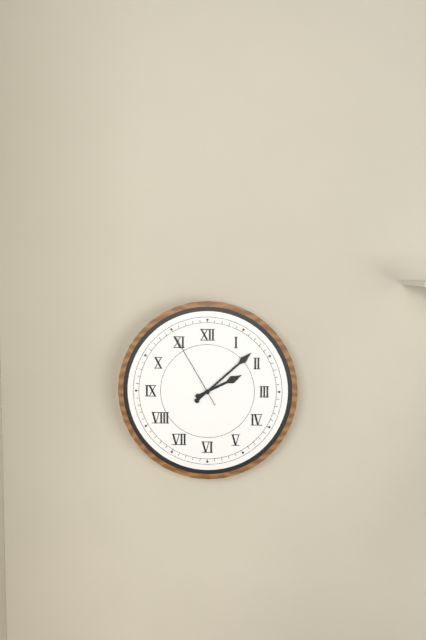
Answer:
2h08m55s
